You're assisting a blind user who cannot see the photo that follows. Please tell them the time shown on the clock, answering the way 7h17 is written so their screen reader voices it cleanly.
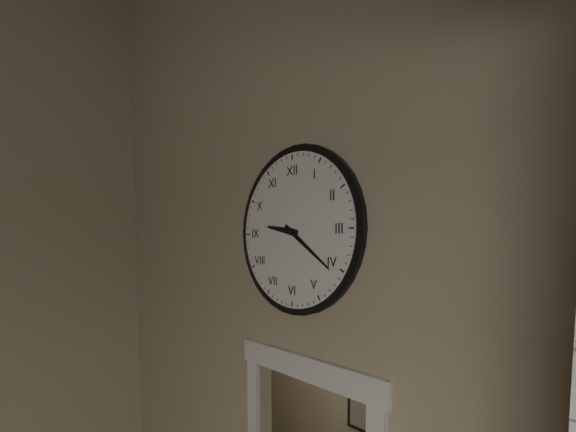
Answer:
9h21
